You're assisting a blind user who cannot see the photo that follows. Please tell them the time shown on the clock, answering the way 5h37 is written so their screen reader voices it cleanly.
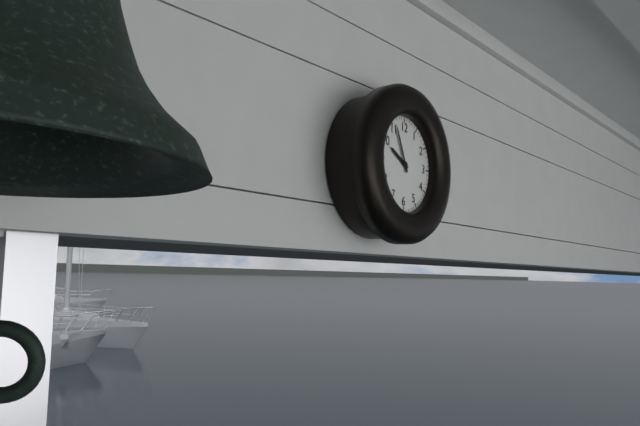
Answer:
9h56
